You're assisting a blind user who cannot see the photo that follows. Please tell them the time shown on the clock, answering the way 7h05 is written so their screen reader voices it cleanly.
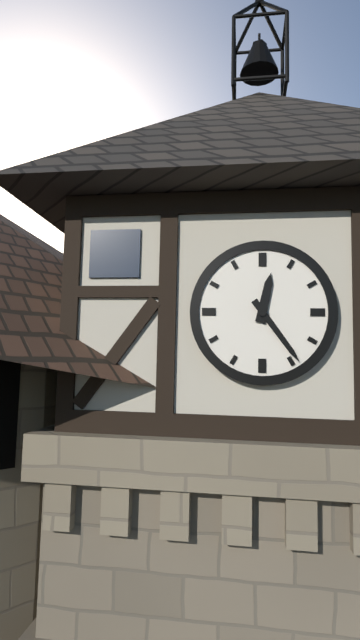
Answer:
12h24
